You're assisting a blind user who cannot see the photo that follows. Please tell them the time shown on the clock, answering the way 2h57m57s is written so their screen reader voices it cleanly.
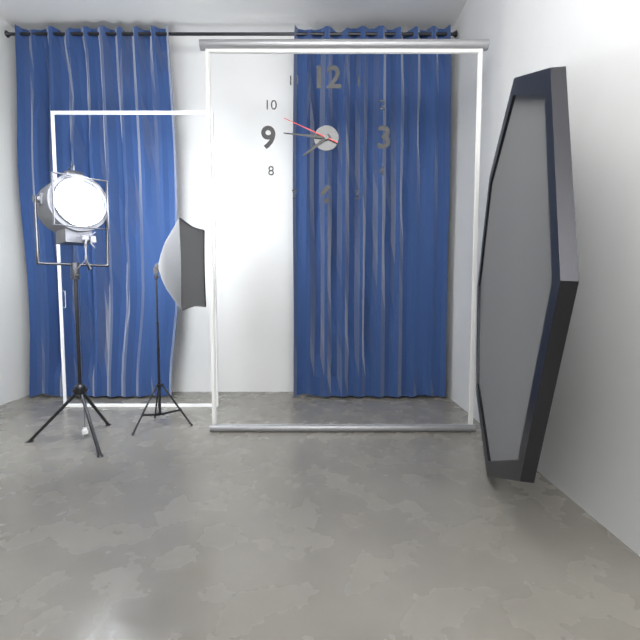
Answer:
7h46m49s
